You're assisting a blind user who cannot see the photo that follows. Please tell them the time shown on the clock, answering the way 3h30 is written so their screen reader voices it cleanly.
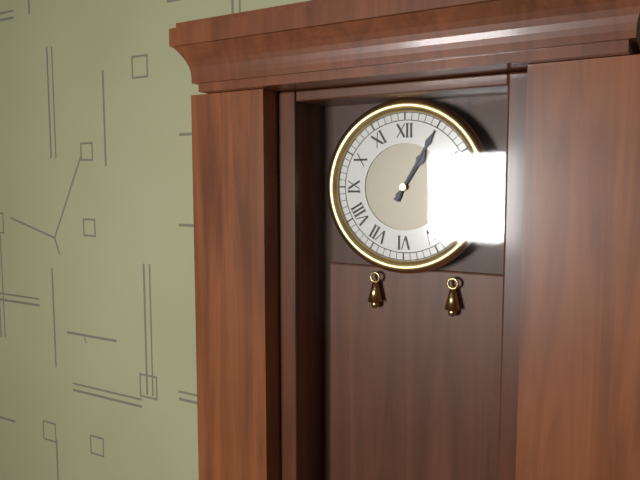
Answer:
1h05
